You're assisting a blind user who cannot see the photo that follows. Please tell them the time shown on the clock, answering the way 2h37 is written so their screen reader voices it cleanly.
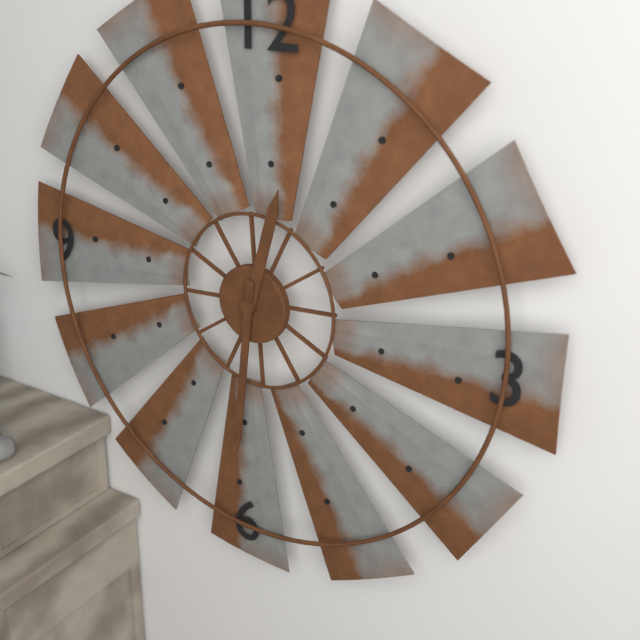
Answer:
12h31
